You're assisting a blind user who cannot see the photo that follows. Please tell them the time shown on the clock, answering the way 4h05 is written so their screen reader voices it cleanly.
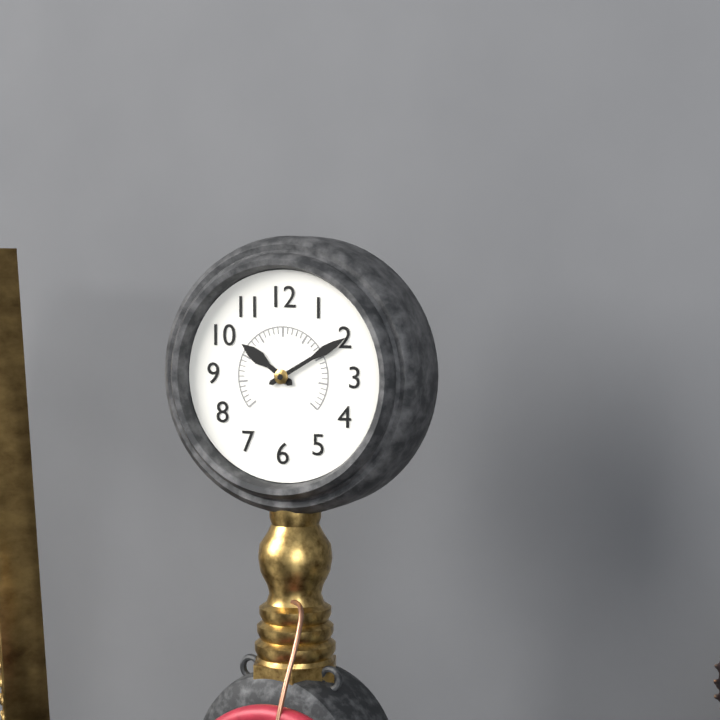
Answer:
10h10
